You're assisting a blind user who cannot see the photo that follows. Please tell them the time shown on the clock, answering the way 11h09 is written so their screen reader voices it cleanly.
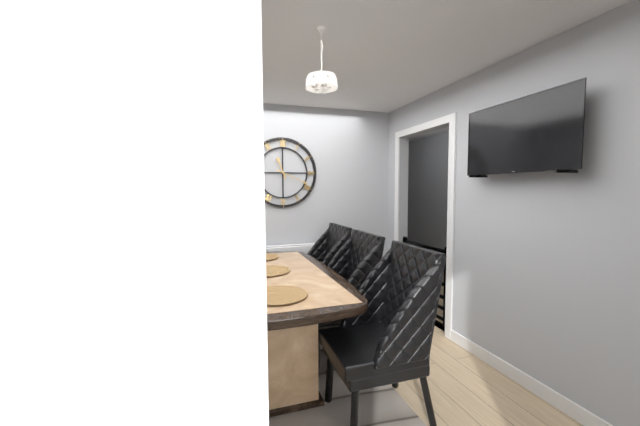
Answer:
11h19
